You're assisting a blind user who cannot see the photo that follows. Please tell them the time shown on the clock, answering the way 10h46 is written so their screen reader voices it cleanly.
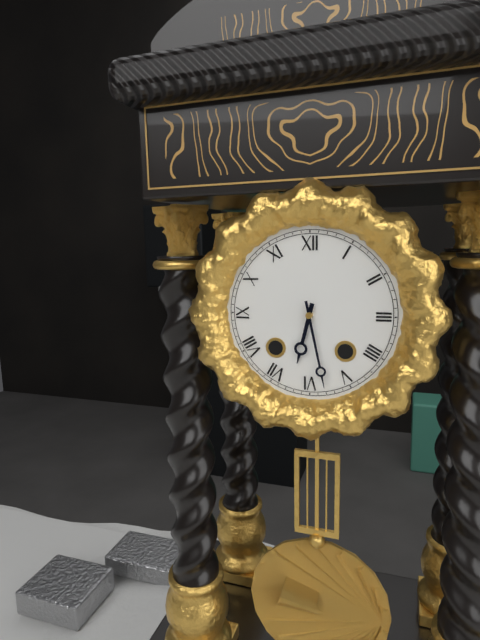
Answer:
6h28
